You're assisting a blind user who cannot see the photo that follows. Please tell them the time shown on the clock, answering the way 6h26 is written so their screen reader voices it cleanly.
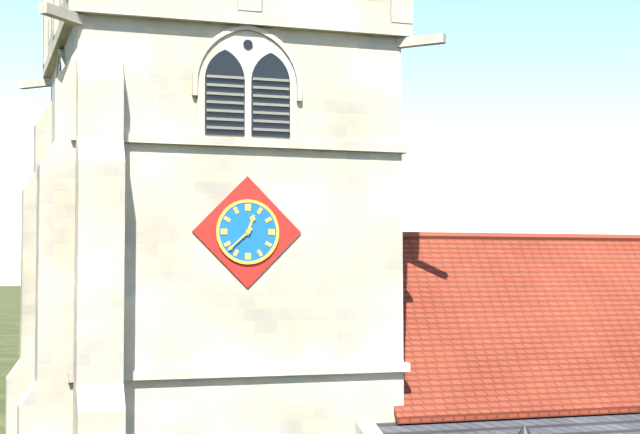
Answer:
12h38
